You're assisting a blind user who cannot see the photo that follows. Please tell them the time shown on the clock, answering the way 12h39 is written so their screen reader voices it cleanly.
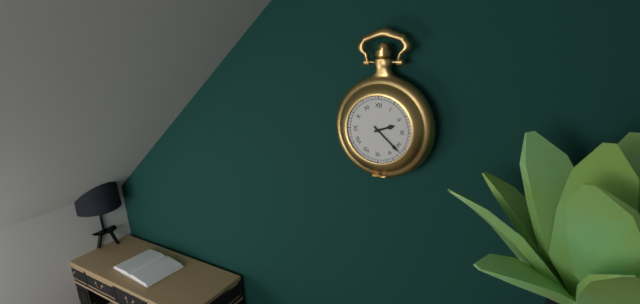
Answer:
2h22
